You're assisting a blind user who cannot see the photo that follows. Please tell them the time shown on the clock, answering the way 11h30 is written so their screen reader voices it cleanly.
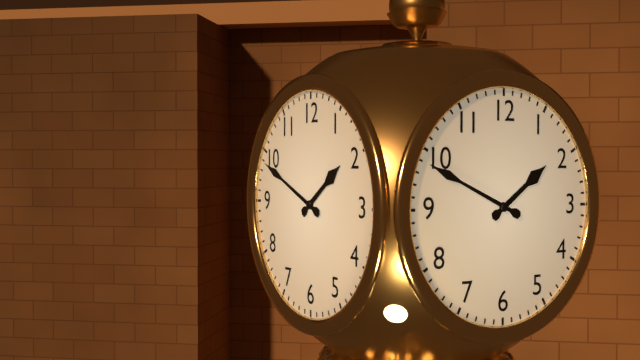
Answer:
1h49
